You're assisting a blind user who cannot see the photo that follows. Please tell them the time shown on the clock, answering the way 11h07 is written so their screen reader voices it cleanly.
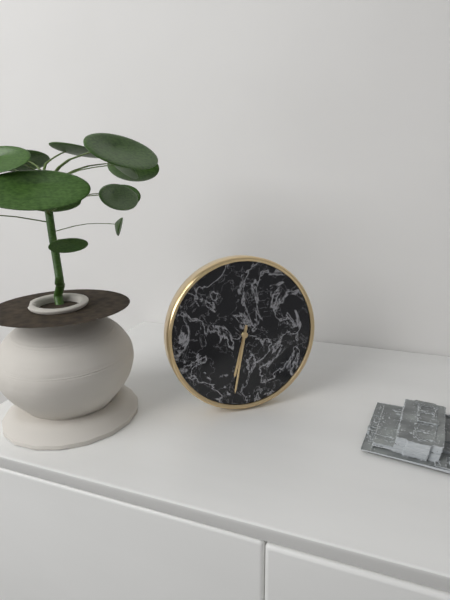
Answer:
6h32
